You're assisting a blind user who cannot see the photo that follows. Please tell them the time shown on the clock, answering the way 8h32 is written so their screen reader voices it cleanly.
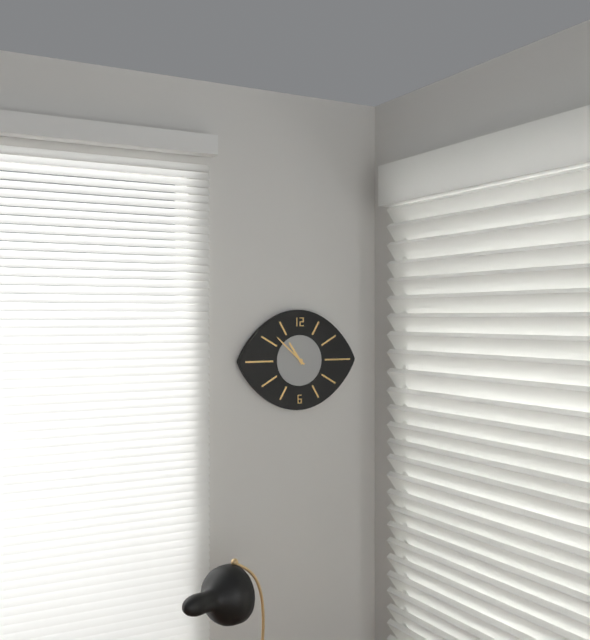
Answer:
10h52
